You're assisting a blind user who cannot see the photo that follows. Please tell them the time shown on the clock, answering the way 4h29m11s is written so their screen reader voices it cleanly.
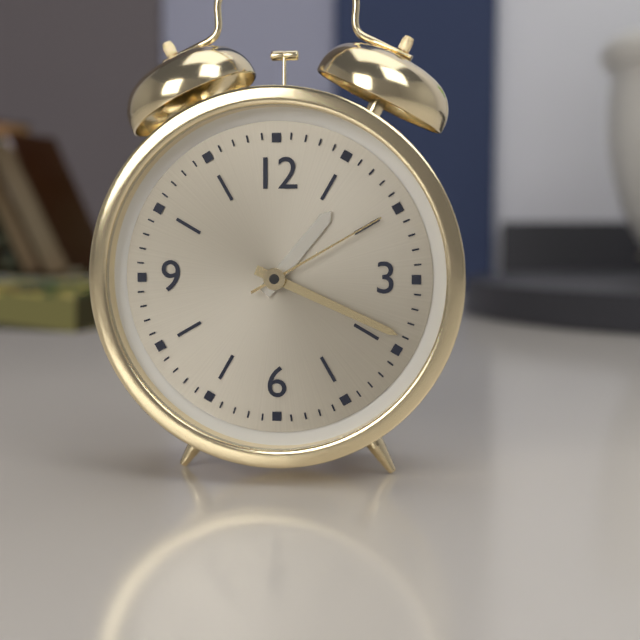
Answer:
1h19m10s
